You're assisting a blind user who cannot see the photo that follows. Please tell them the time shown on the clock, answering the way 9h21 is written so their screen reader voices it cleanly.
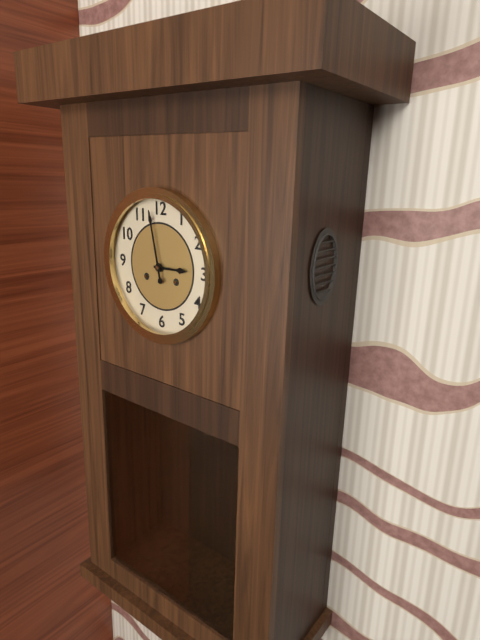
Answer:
2h58
